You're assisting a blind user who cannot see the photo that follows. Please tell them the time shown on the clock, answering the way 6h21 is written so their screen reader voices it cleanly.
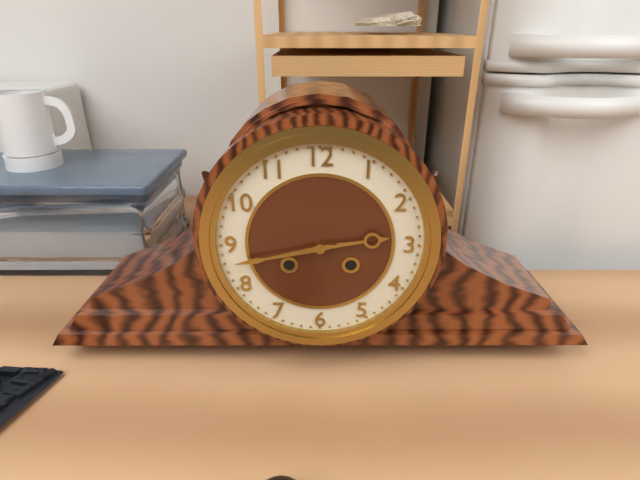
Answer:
2h43
